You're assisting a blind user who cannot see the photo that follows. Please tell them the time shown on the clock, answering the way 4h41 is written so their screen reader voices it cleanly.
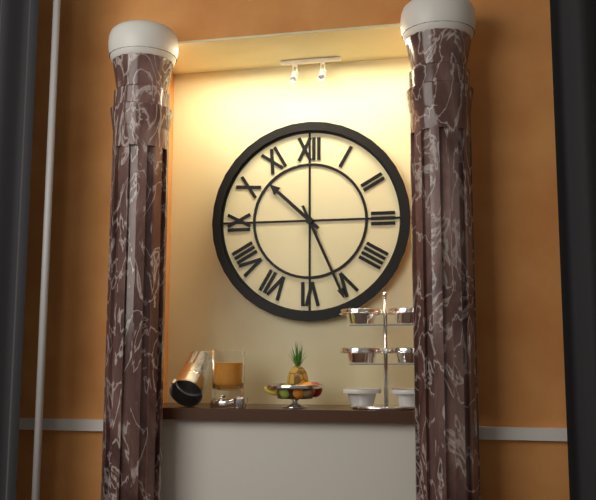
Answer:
10h26
